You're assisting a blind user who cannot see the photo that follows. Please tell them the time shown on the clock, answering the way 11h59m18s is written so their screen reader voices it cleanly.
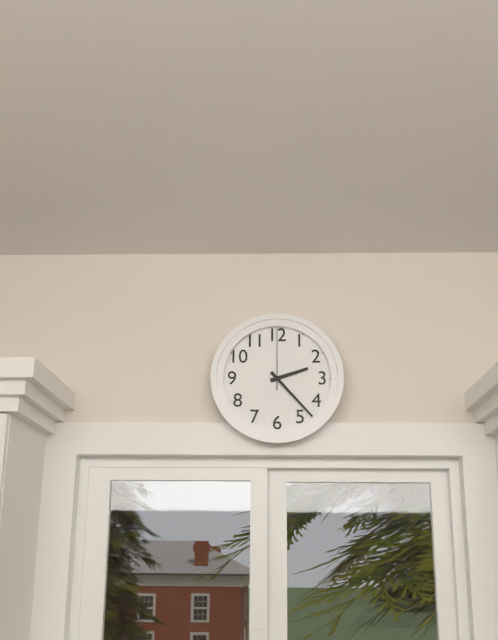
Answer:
2h23m00s
